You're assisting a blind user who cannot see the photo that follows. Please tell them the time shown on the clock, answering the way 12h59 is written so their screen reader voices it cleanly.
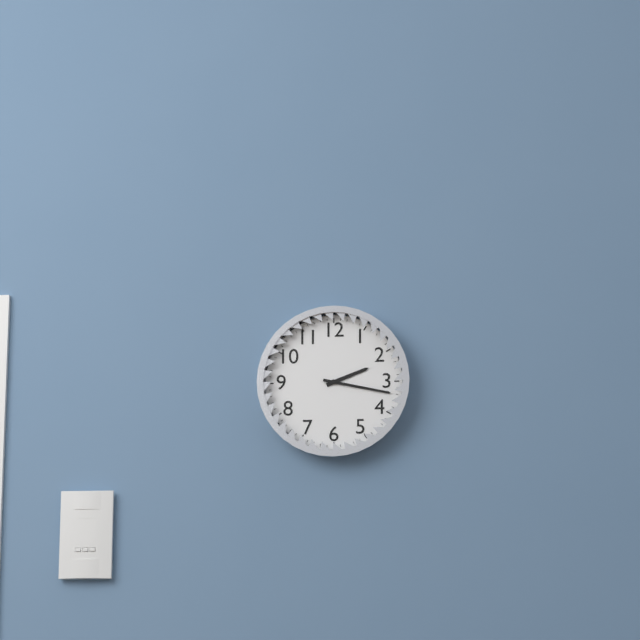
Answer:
2h17
